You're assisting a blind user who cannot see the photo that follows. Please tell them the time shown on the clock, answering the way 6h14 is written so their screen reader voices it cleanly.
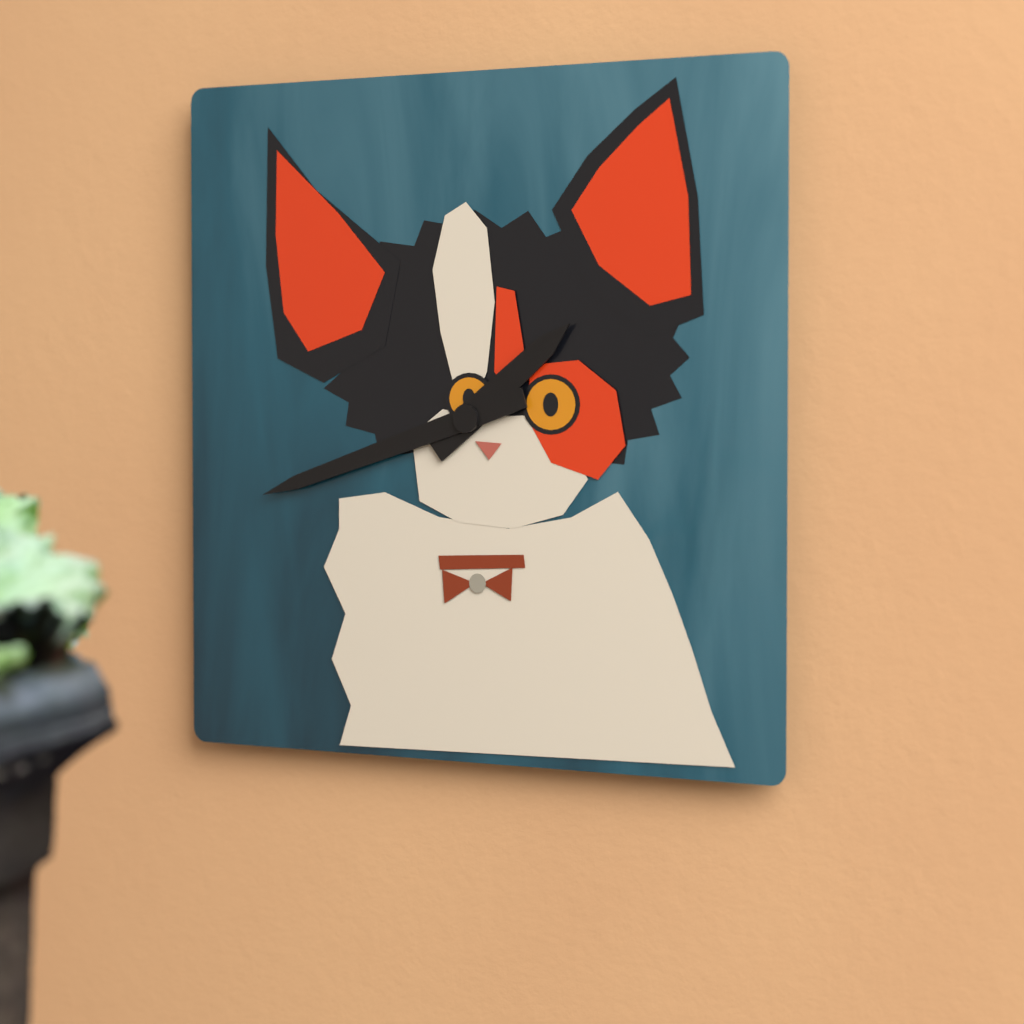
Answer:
1h42
